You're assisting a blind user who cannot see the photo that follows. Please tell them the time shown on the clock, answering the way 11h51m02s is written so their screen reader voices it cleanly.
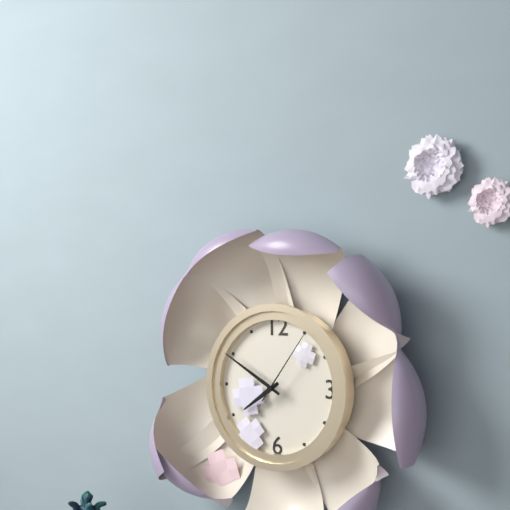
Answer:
7h50m06s
